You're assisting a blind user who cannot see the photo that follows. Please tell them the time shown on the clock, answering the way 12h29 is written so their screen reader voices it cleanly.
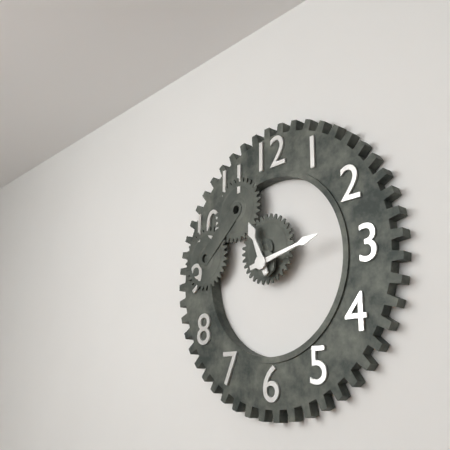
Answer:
11h13
